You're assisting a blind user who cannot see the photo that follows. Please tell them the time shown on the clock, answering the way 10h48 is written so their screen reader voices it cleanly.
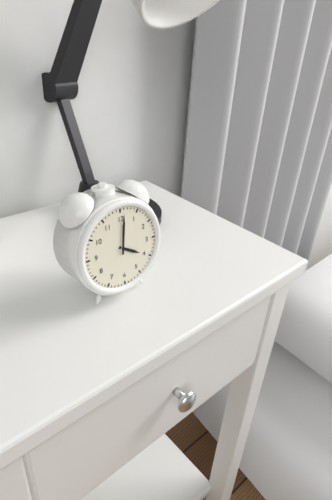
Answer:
4h01
